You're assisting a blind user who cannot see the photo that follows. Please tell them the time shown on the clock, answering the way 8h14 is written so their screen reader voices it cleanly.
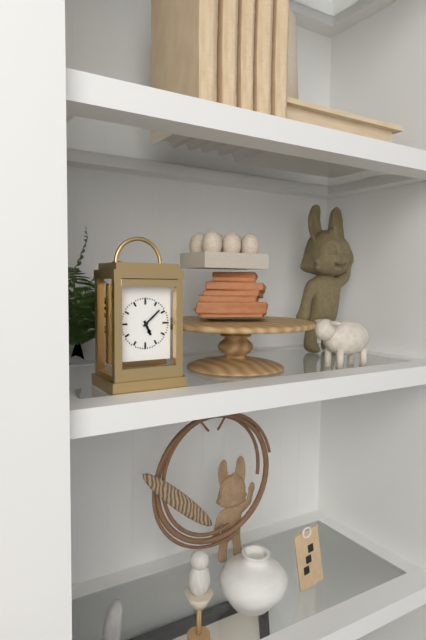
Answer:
5h08
